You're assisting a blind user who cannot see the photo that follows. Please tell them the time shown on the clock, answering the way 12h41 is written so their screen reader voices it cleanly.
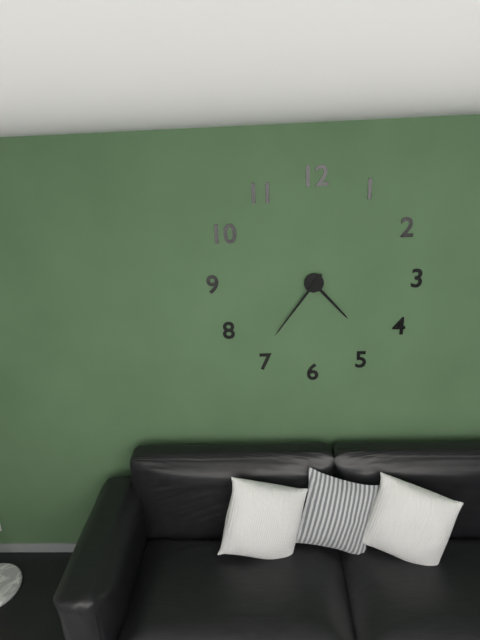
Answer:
4h36
